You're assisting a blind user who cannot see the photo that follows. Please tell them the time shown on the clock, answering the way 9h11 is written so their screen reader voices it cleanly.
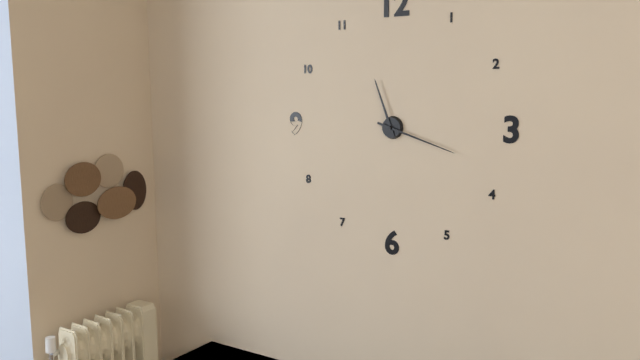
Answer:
11h18
